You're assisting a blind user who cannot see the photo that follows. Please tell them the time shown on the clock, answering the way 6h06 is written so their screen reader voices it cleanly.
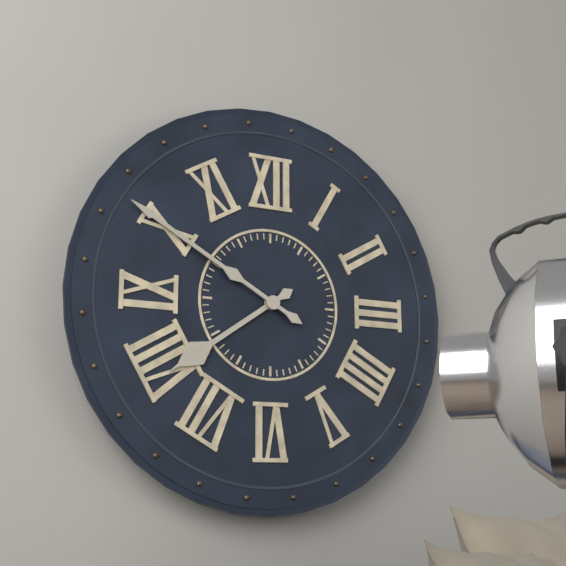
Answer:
7h50
